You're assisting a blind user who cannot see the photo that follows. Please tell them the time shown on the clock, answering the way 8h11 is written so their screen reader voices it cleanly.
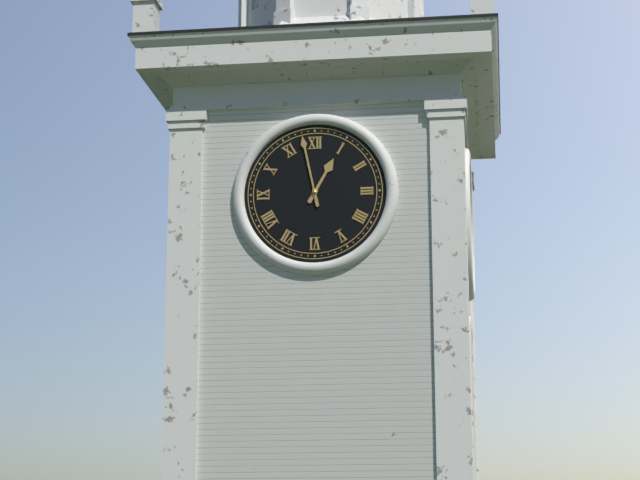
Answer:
12h58
